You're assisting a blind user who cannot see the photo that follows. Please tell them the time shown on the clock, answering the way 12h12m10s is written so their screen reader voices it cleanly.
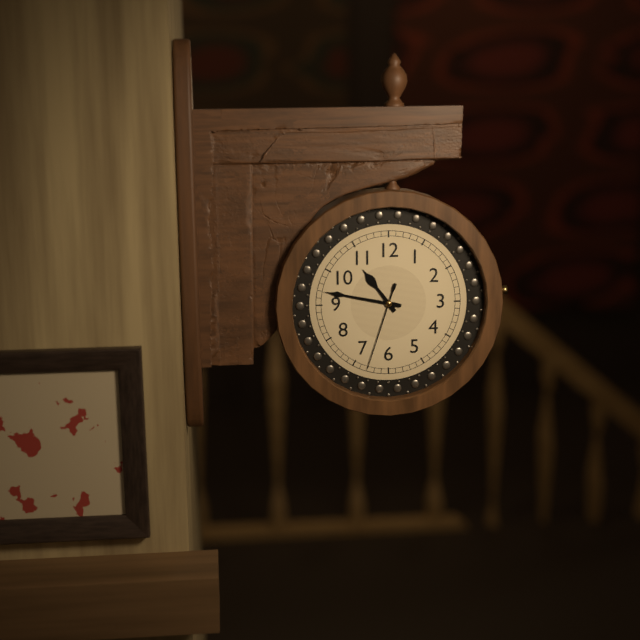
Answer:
10h47m33s
